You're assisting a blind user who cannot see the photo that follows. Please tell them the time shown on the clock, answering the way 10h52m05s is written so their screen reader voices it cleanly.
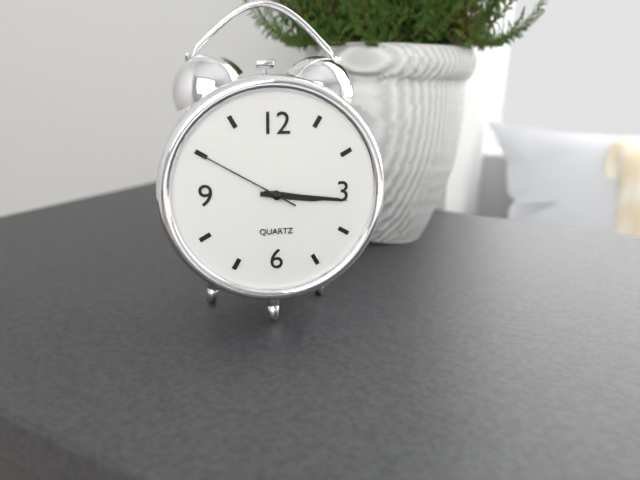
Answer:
3h16m50s
